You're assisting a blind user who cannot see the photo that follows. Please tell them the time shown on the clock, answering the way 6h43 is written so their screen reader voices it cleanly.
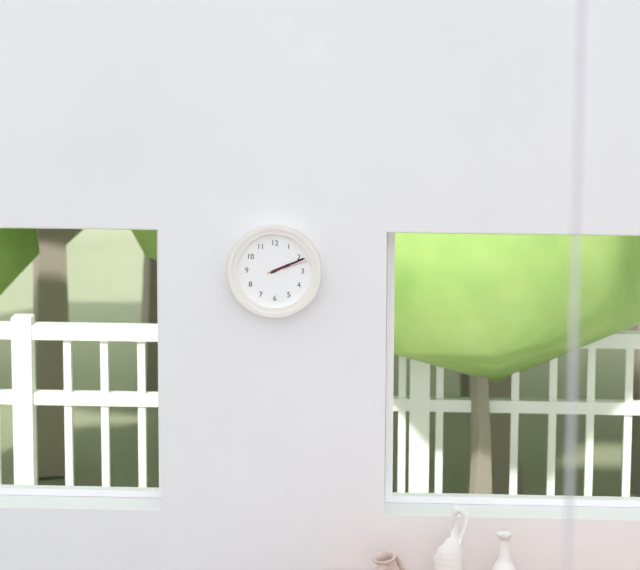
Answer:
2h11
